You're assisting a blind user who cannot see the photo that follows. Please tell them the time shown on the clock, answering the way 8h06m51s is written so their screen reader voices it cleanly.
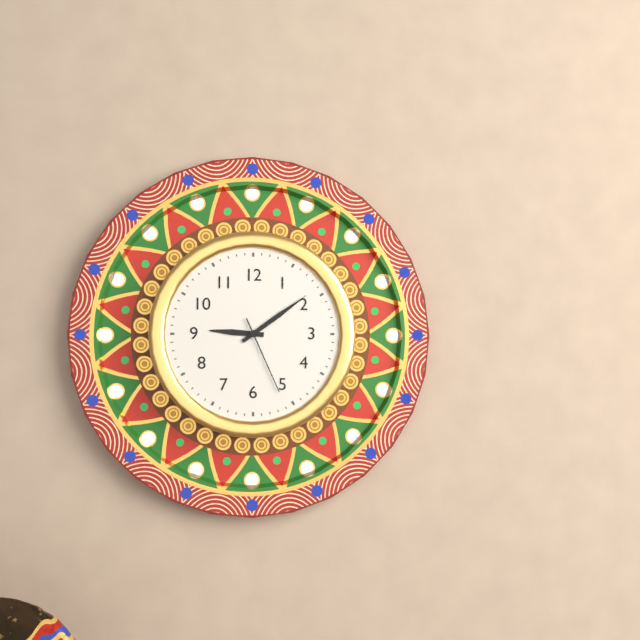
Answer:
9h09m26s
